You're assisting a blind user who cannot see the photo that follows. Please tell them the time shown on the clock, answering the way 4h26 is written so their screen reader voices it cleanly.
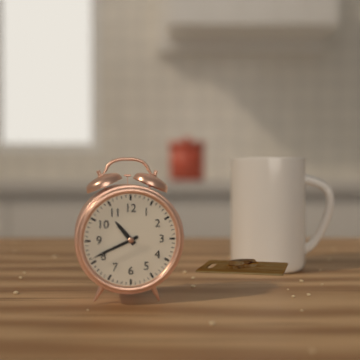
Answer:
10h41
